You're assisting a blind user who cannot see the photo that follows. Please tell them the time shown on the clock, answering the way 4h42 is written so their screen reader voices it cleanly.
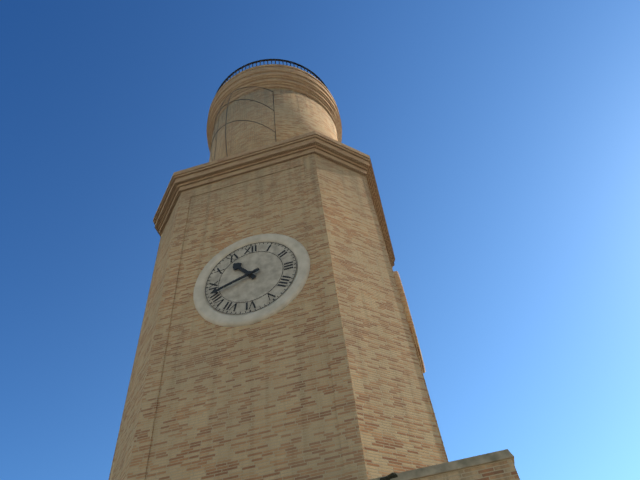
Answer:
10h42
